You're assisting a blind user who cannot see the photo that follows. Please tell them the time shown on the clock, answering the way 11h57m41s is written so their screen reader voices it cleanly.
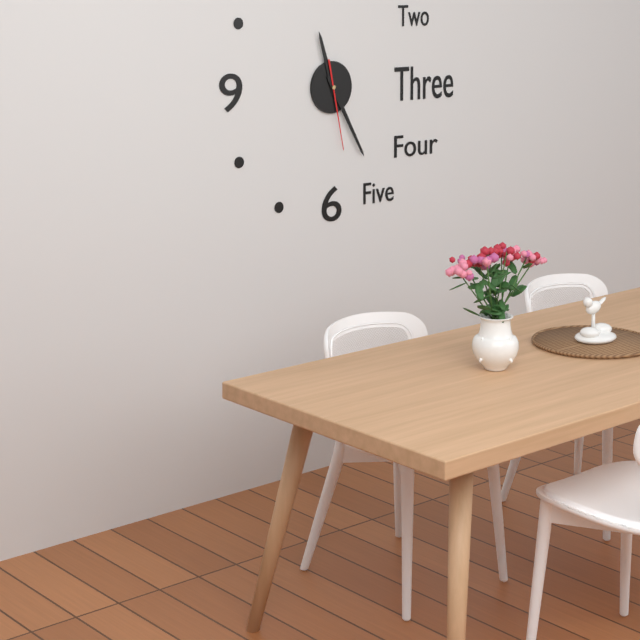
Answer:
11h25m28s
